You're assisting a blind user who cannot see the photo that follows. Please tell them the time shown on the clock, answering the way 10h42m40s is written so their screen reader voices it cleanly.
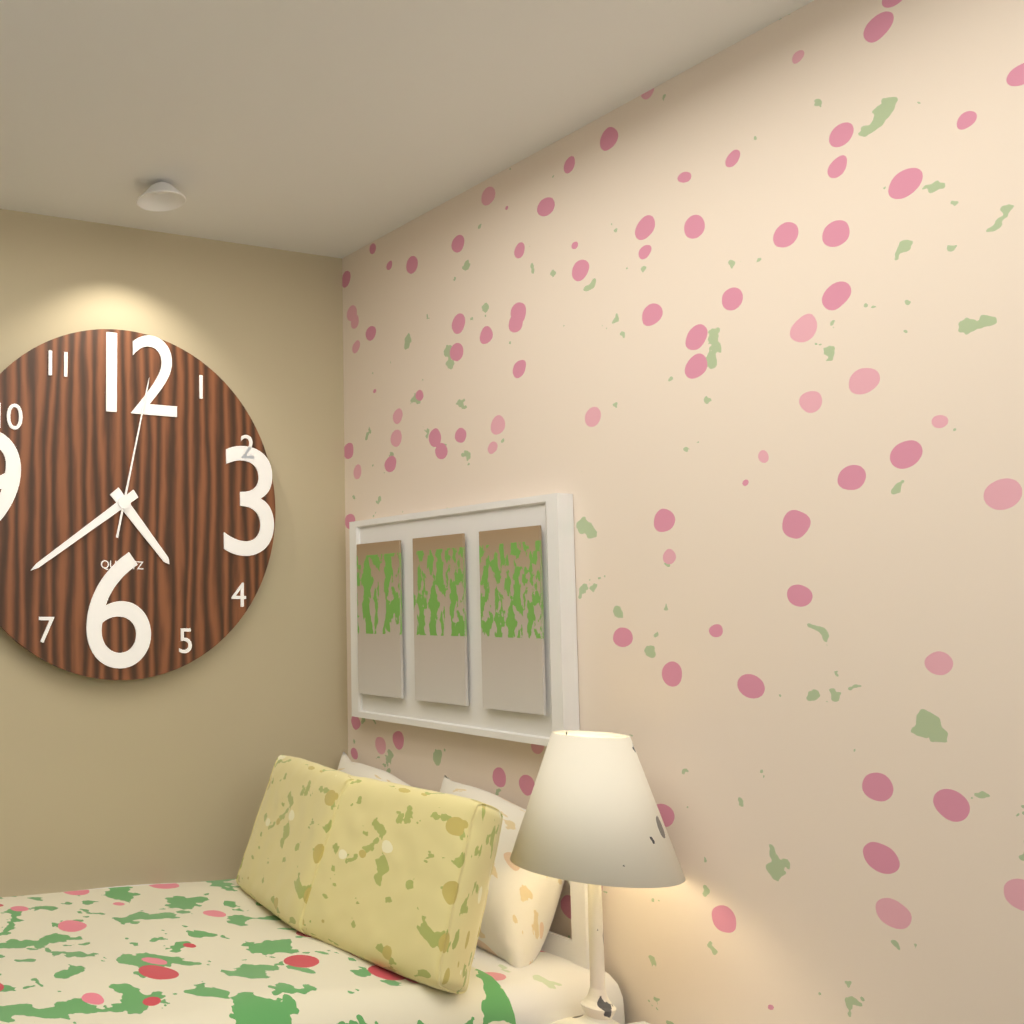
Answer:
4h39m02s
